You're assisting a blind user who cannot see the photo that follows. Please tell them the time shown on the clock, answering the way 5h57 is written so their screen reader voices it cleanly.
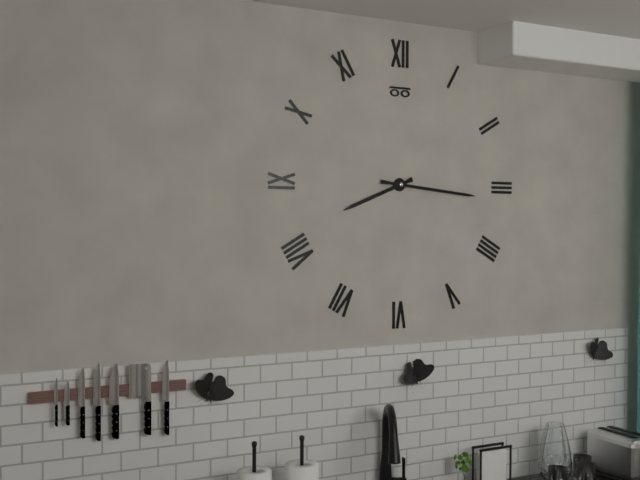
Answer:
8h16
